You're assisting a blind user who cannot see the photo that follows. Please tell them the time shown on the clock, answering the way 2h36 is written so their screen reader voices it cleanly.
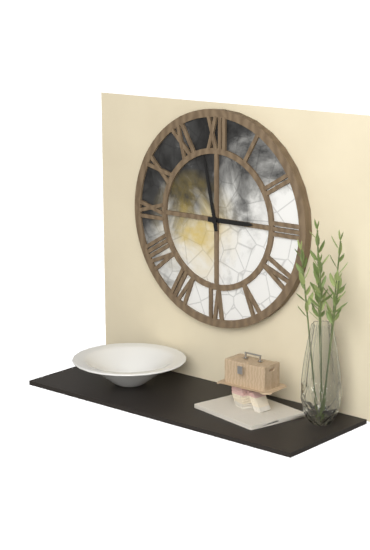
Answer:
2h58
